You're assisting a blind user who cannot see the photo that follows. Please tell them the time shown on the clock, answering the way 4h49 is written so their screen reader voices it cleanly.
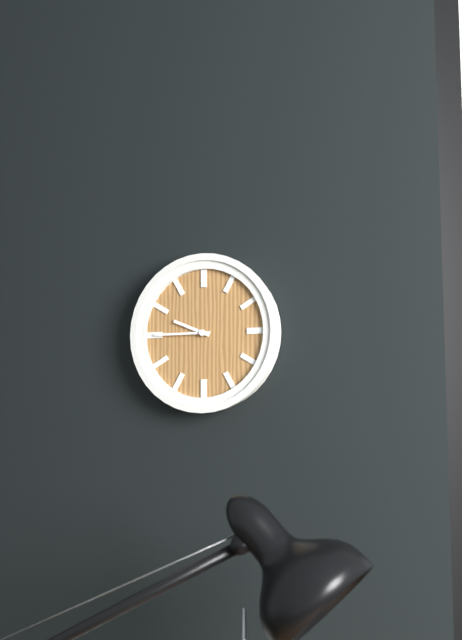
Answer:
9h45
